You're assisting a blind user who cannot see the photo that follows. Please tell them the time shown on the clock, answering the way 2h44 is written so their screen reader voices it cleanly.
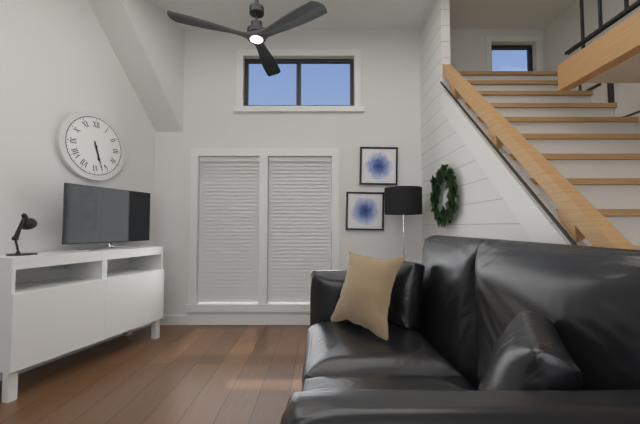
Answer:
5h27
